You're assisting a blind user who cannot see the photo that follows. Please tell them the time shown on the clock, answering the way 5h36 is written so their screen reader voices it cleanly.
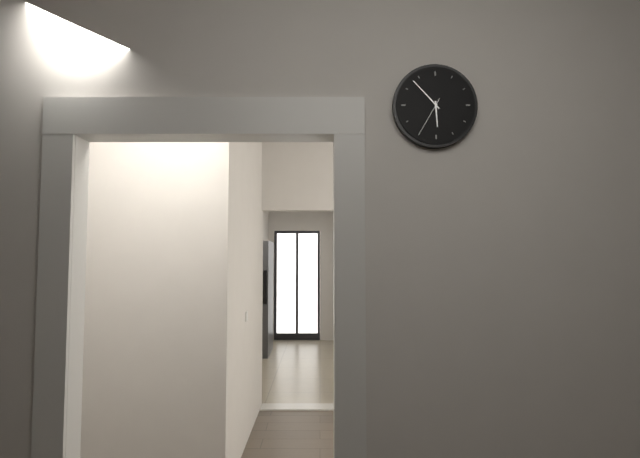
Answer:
5h53
